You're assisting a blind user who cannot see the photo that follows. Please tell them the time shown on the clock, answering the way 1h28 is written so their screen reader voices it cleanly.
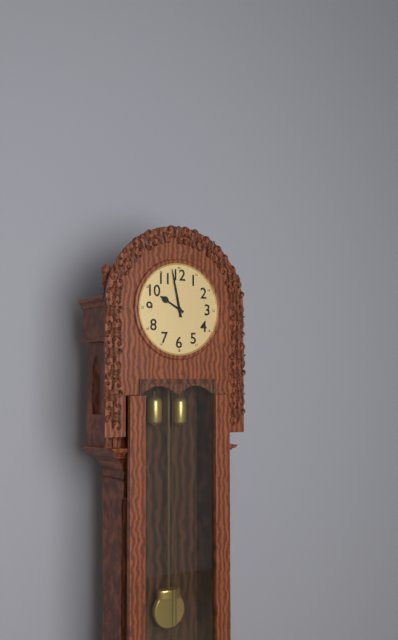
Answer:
9h58
